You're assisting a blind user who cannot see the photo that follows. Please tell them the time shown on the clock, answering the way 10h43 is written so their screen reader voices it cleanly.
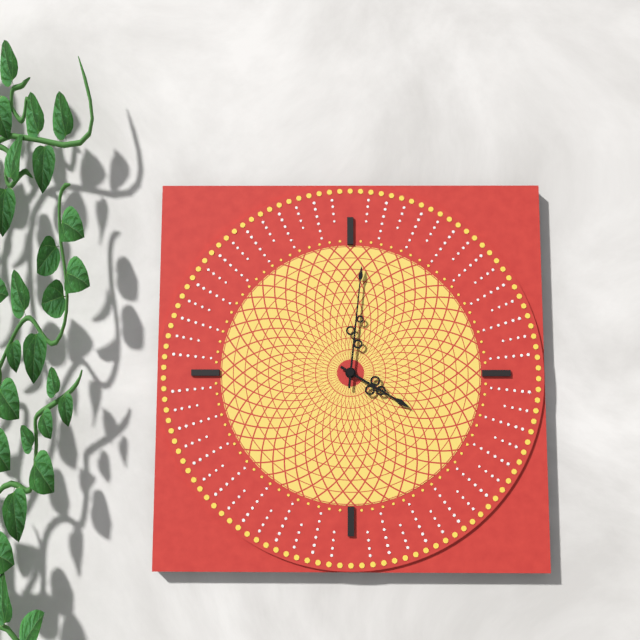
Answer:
4h01
